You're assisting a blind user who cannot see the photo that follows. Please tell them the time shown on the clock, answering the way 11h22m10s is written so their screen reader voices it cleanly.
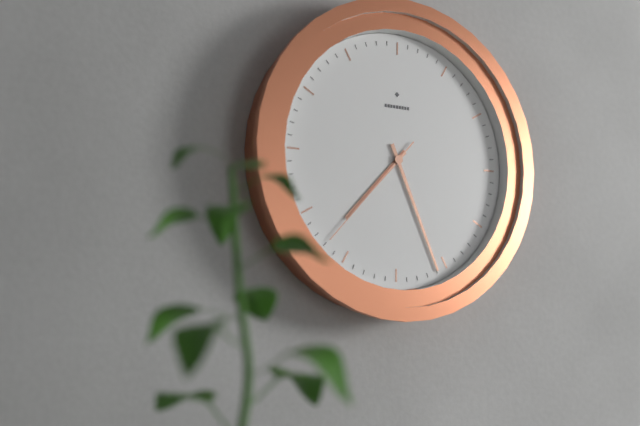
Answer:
7h26m37s
